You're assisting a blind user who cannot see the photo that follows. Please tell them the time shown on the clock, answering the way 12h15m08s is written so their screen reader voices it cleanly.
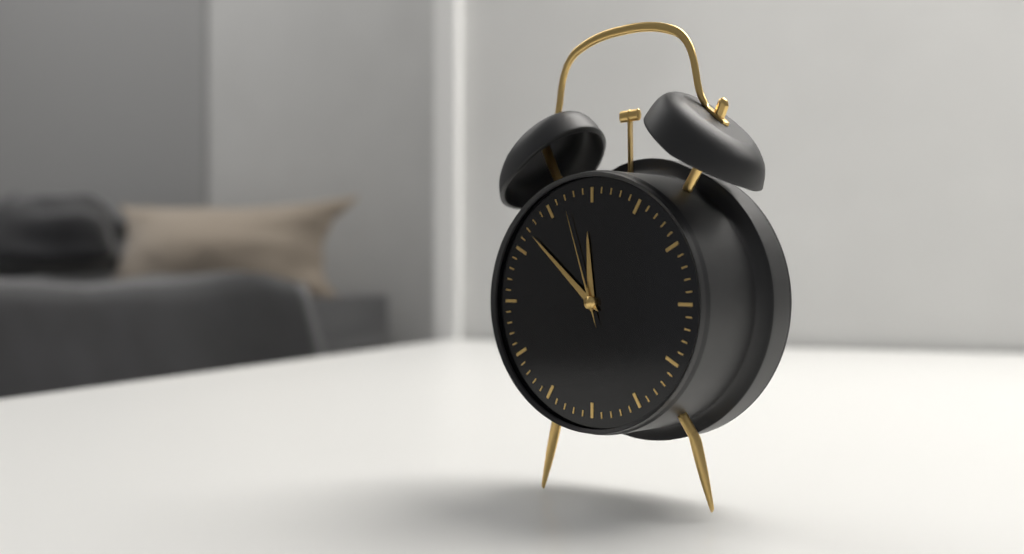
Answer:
11h52m57s
